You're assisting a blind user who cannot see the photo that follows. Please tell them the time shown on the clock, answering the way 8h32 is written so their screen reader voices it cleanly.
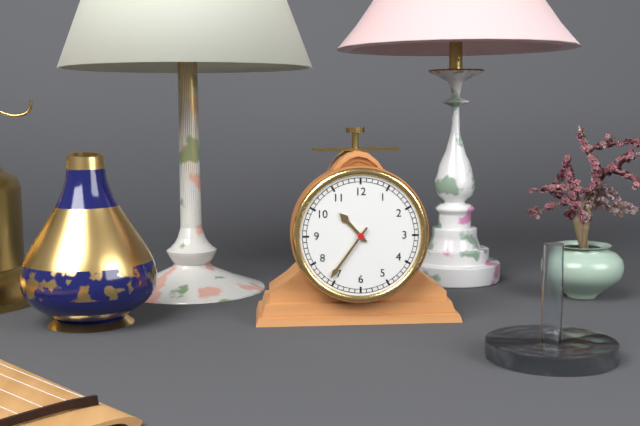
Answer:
10h36
